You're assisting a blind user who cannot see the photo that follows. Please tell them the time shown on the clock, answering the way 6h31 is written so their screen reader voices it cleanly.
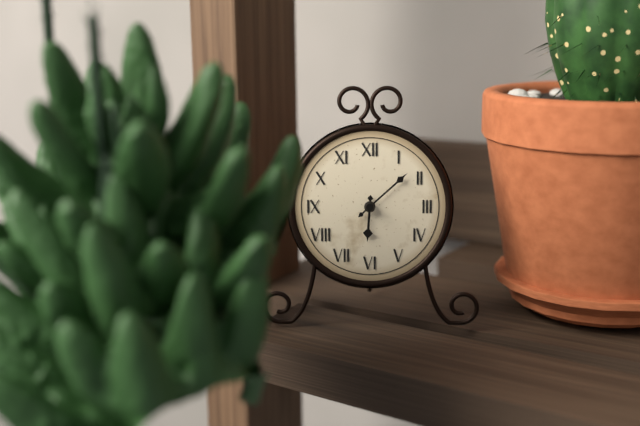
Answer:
6h08
